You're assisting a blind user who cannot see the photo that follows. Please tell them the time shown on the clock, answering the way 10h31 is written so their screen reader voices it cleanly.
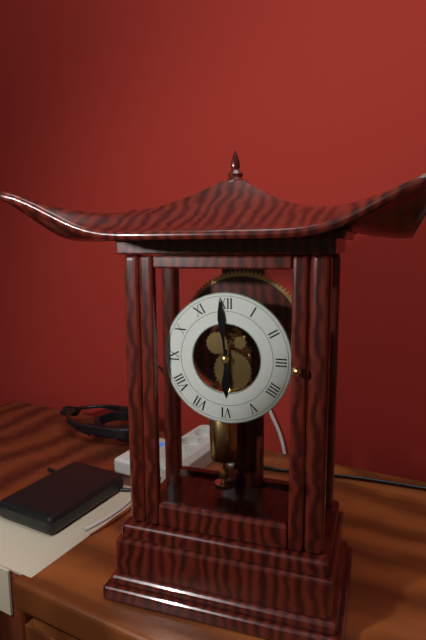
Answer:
5h59
